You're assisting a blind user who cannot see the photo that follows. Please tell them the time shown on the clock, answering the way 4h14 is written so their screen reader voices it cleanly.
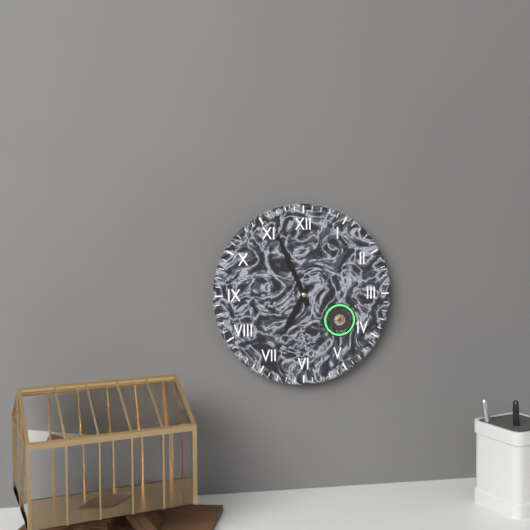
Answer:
6h56
